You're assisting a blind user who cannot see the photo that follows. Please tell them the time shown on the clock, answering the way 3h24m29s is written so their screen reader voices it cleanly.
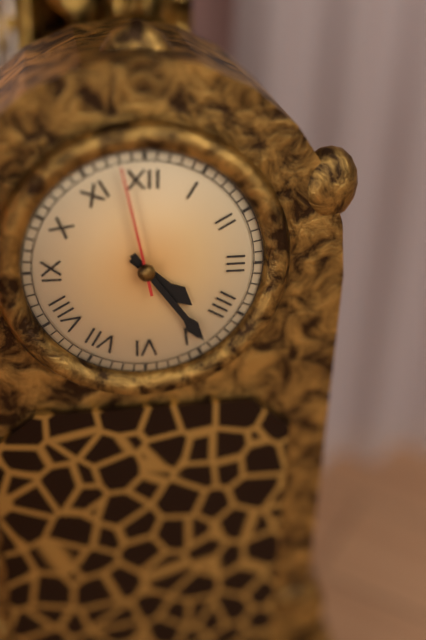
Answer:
4h24m58s
